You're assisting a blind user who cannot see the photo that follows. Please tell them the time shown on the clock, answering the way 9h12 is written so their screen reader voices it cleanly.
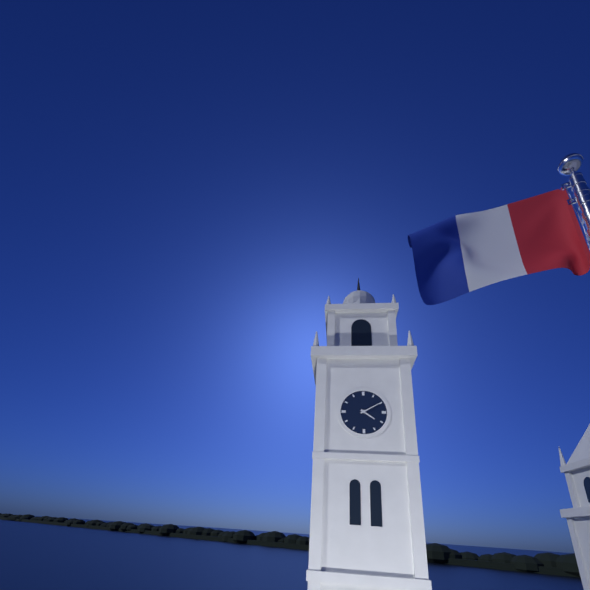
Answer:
4h10
